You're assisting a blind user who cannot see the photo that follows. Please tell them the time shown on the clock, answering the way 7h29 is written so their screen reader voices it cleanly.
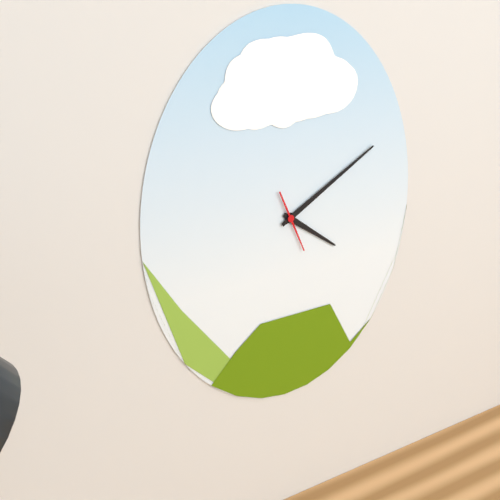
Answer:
4h10
